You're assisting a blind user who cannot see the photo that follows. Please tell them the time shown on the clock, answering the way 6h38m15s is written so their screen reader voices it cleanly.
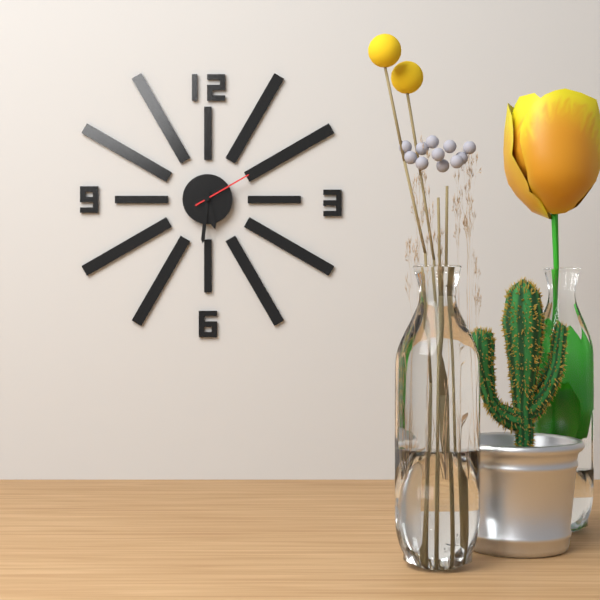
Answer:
5h31m10s
